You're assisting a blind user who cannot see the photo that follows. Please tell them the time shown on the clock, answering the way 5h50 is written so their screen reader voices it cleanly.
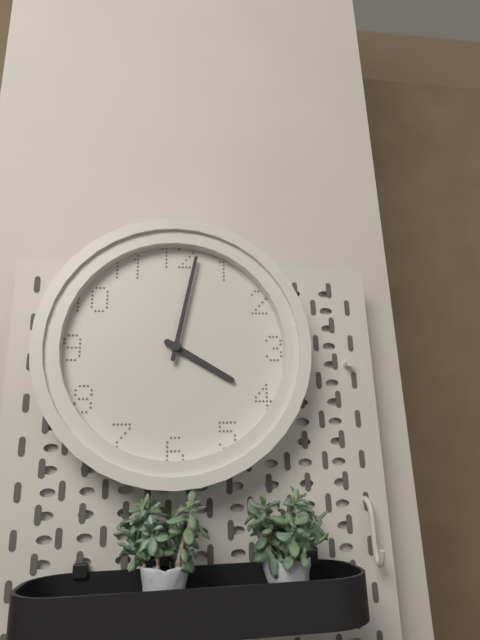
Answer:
4h02
